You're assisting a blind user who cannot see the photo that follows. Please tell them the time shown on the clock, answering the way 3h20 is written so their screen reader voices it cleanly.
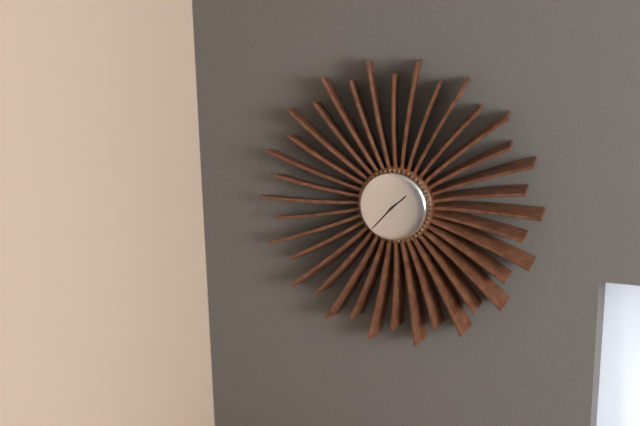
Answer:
1h37
